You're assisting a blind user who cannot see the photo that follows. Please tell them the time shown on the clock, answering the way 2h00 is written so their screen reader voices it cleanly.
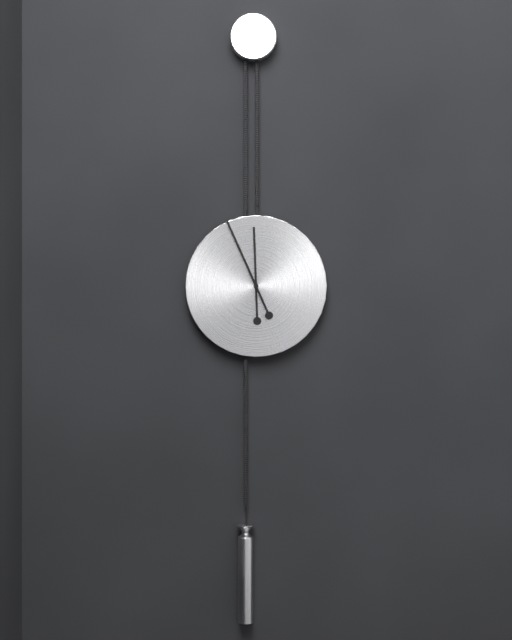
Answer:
11h56
